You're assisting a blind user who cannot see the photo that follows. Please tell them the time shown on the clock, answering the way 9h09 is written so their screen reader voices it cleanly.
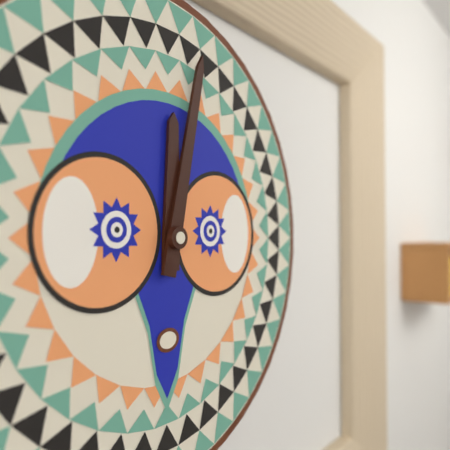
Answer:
12h02
